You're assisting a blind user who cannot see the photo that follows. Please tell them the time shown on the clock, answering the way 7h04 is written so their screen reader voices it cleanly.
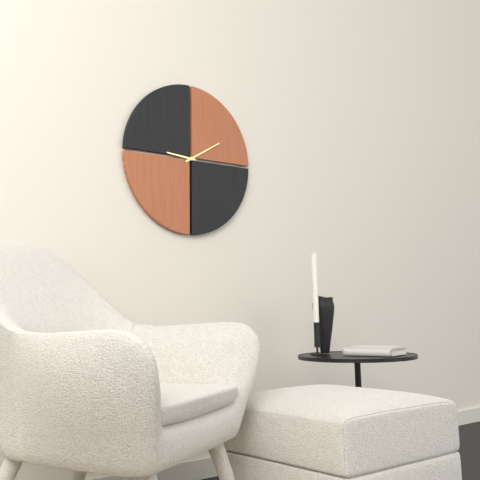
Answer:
9h10
